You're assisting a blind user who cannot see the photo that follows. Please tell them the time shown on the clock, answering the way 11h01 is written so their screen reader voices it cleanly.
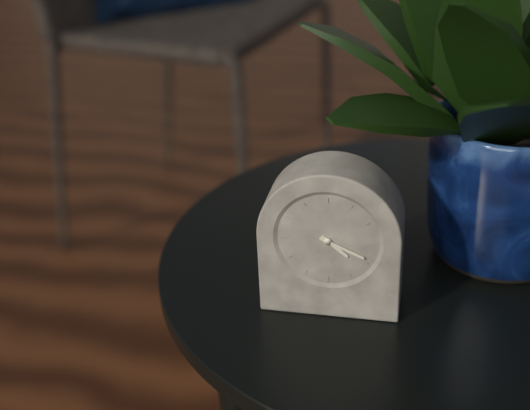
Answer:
4h19
